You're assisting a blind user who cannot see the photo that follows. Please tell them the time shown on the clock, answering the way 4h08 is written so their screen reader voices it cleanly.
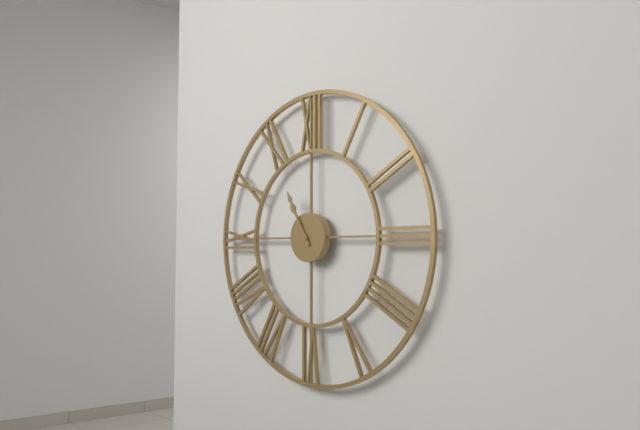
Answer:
10h55
